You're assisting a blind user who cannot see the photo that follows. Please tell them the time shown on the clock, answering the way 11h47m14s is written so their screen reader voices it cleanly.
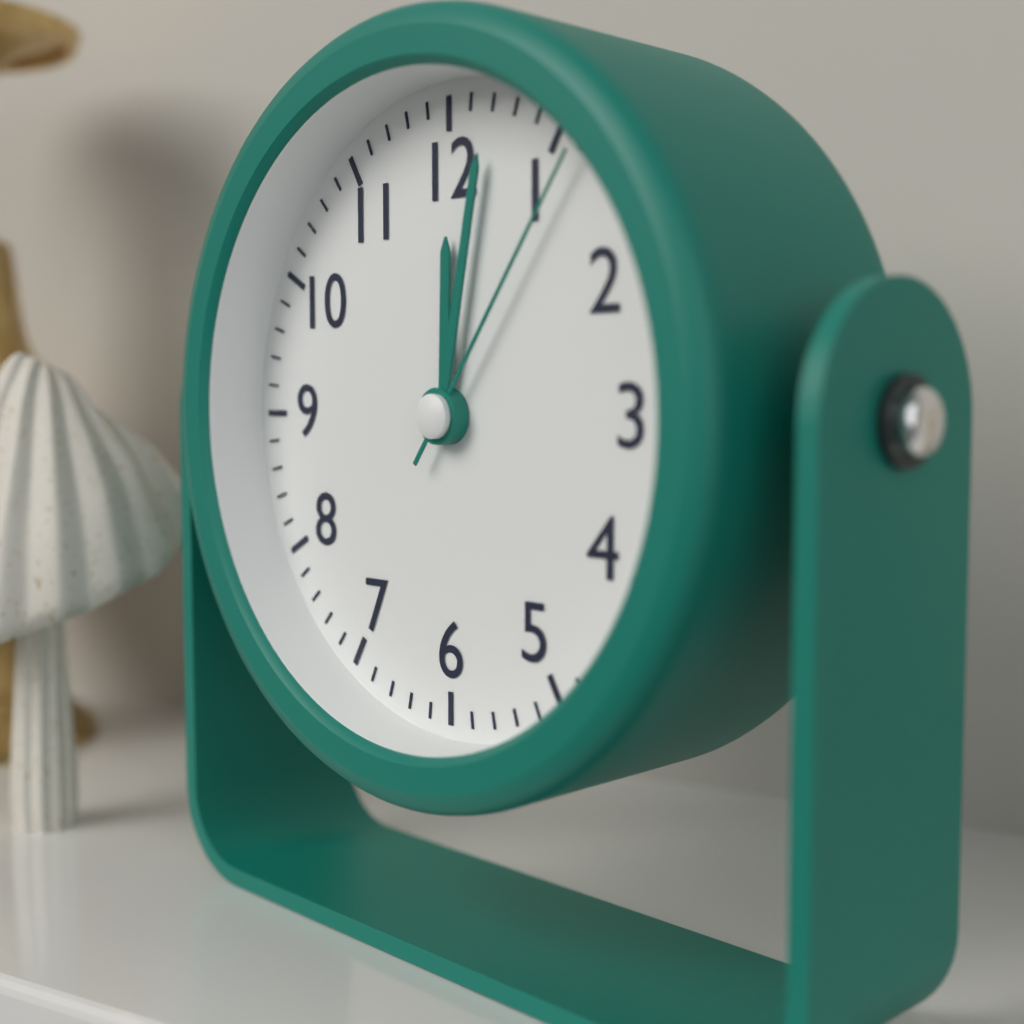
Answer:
12h02m06s
